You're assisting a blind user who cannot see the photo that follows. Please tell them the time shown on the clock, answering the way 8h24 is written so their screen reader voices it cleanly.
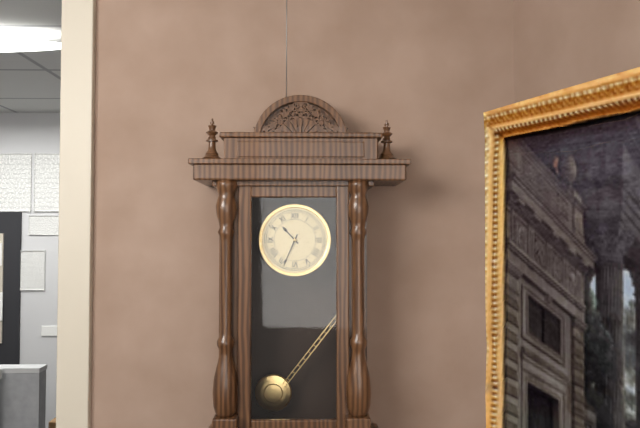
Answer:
10h34
